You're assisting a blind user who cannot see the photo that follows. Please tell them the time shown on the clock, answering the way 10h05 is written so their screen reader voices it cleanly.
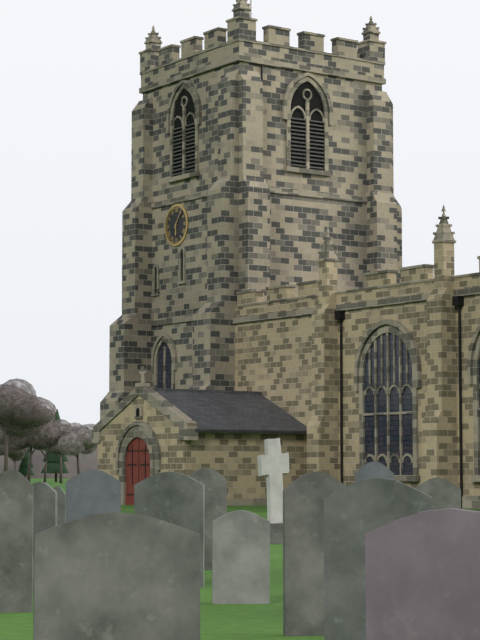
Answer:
6h06
